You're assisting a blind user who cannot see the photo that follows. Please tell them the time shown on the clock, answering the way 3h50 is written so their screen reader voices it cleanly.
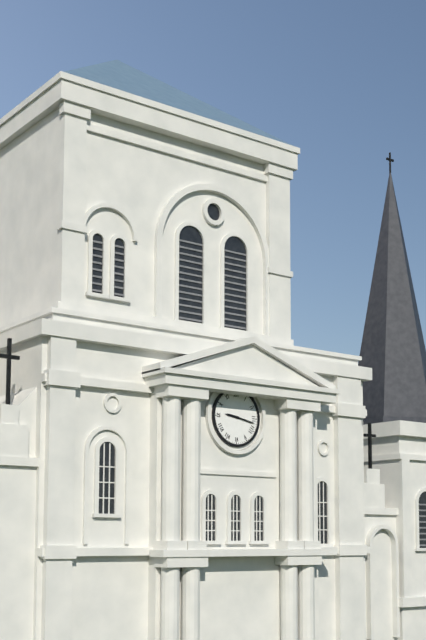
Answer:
9h17
